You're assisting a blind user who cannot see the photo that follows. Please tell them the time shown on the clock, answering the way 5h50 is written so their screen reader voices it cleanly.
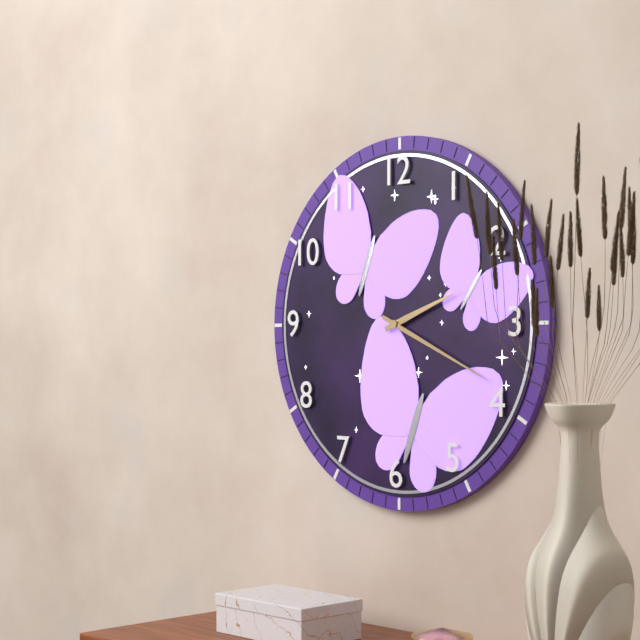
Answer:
2h19
